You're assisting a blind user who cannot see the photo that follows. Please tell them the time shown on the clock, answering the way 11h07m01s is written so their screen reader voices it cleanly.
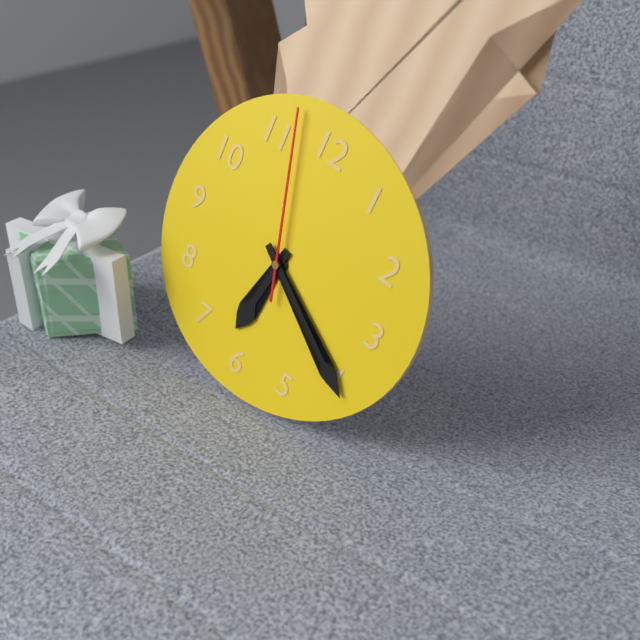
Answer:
6h20m57s
